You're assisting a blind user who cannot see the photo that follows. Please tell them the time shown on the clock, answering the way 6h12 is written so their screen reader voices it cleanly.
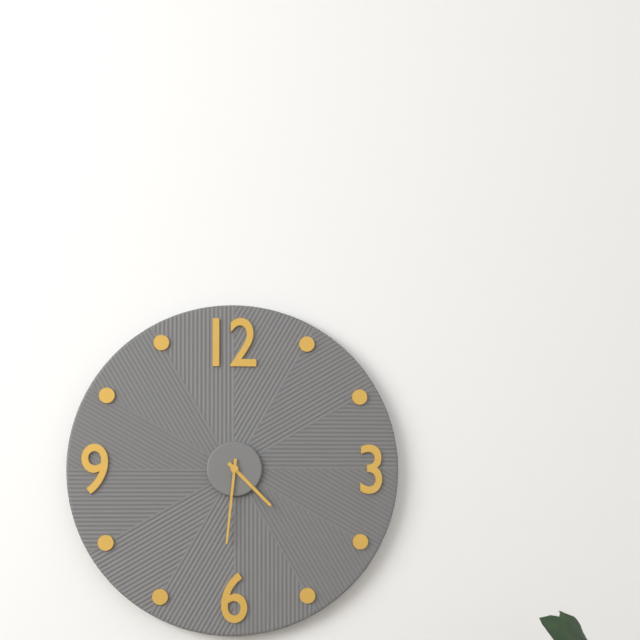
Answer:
4h31
